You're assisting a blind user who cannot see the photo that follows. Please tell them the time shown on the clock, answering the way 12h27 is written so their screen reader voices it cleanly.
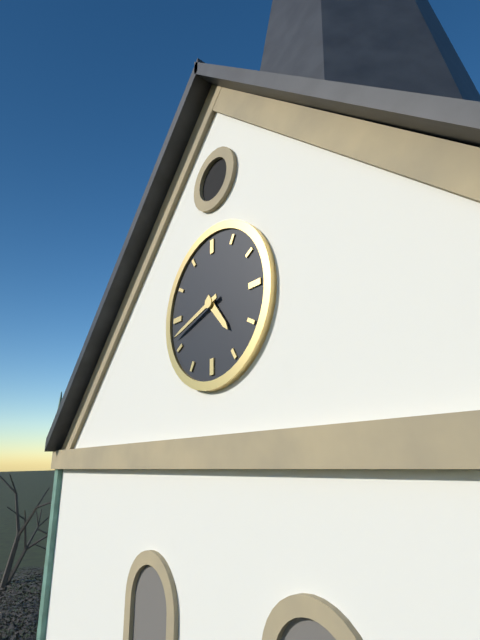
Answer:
4h42
